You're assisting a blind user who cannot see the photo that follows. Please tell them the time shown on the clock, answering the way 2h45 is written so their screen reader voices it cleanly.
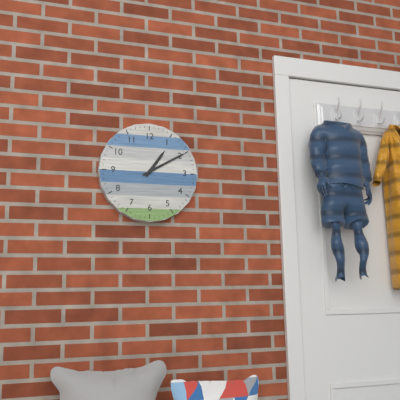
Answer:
1h10
